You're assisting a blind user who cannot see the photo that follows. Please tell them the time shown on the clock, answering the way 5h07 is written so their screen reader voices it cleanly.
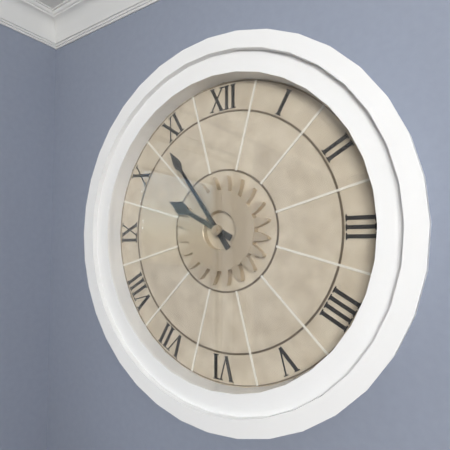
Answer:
9h54
